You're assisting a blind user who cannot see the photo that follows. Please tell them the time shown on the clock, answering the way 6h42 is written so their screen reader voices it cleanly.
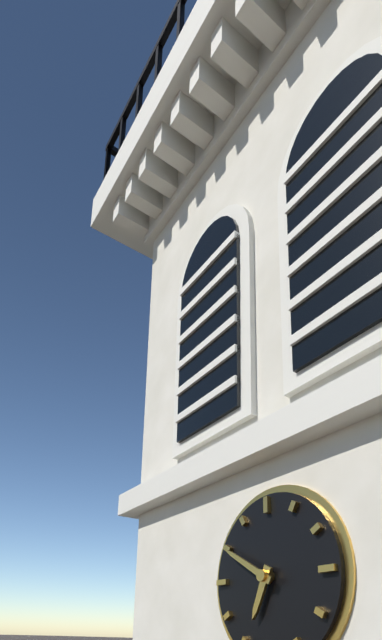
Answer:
6h50
